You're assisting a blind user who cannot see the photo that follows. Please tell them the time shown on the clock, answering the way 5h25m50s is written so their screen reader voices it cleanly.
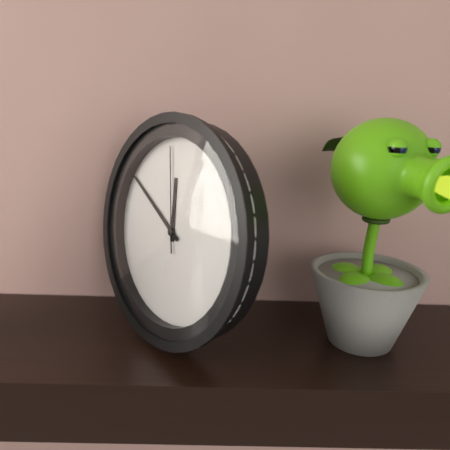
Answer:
11h50m58s
